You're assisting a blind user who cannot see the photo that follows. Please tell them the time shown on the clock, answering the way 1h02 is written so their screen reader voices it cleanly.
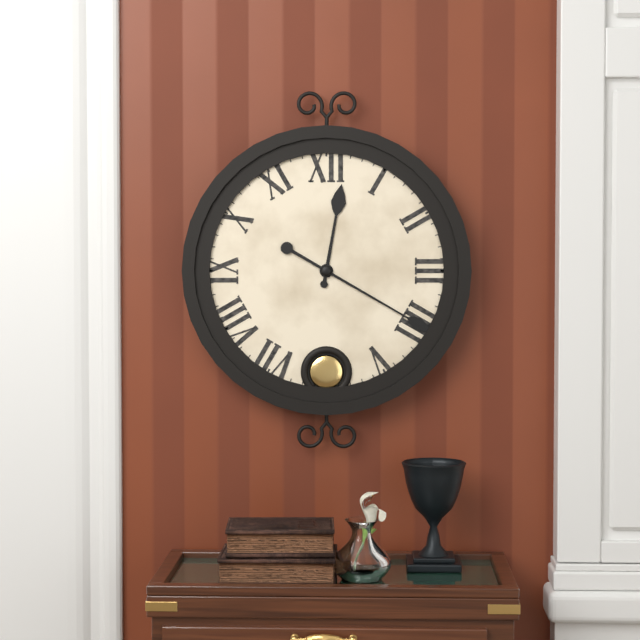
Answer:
12h20
